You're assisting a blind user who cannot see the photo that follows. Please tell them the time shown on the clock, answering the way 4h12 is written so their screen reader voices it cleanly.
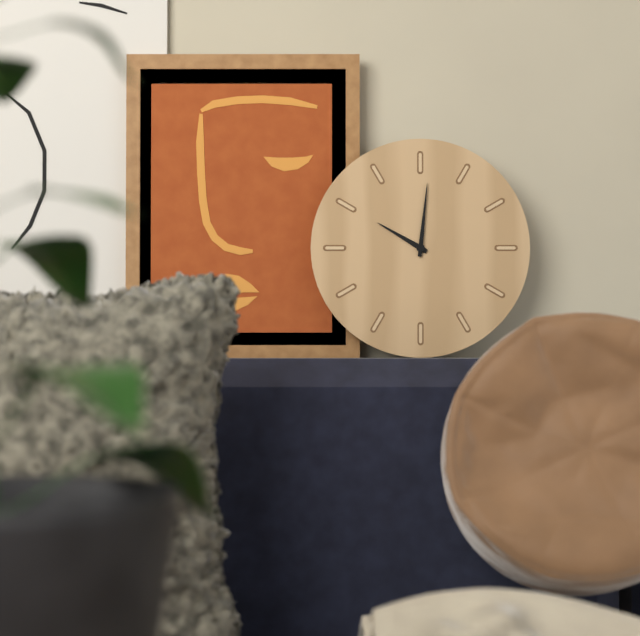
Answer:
10h01
